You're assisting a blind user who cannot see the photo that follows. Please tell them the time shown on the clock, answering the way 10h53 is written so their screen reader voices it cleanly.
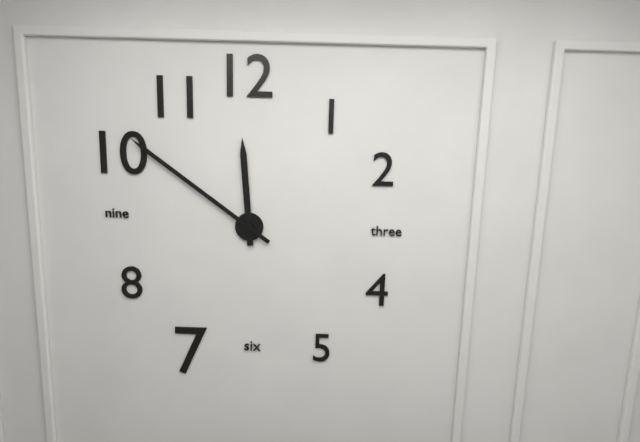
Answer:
11h51
